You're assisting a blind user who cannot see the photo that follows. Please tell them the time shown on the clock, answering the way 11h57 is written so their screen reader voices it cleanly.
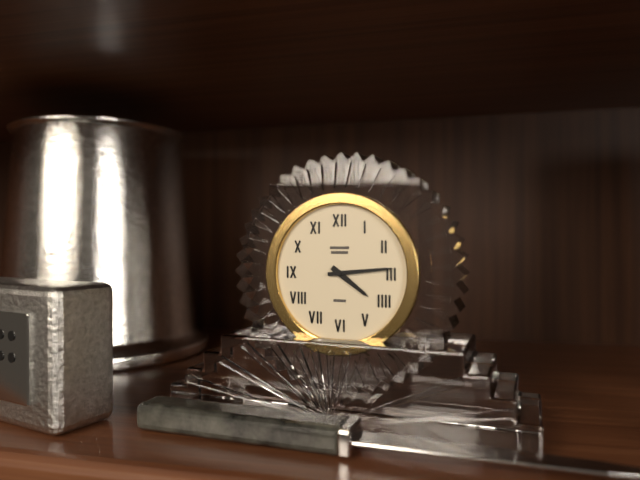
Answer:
4h14
